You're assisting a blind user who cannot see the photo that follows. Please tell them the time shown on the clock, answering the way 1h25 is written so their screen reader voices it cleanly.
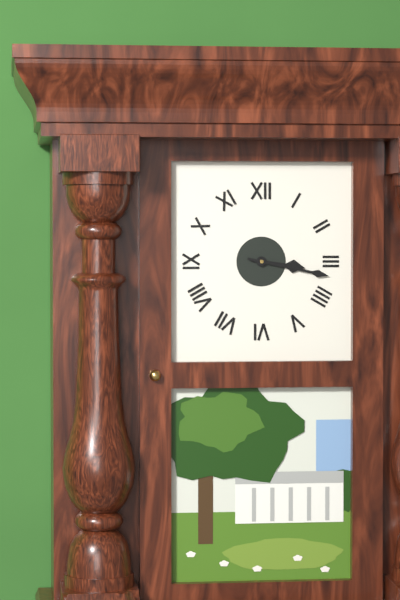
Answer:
3h17
